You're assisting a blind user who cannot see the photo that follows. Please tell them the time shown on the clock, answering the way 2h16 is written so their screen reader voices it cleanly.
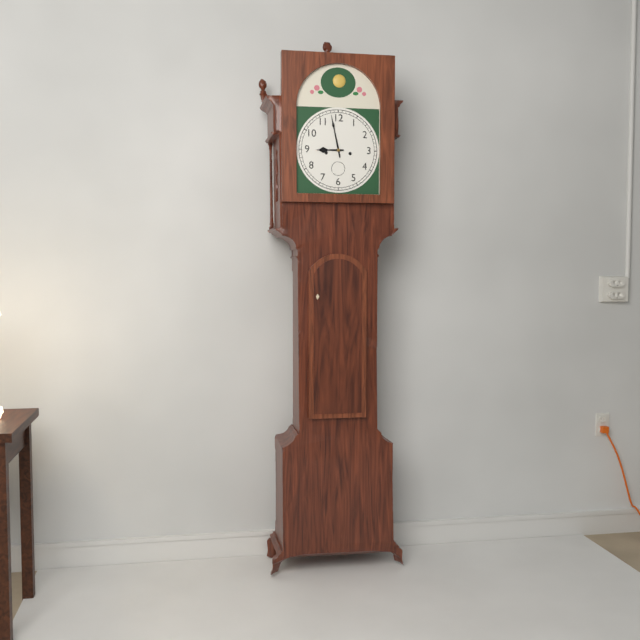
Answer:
8h58
